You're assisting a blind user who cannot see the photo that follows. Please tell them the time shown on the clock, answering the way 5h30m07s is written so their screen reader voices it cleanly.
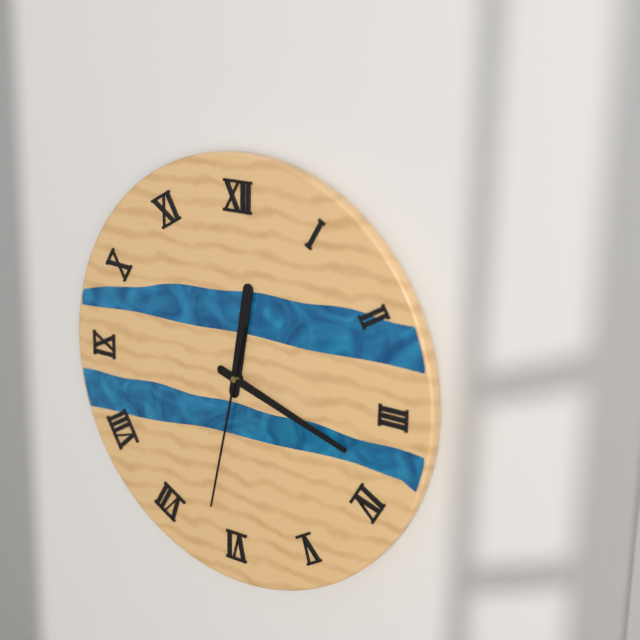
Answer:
12h18m32s
